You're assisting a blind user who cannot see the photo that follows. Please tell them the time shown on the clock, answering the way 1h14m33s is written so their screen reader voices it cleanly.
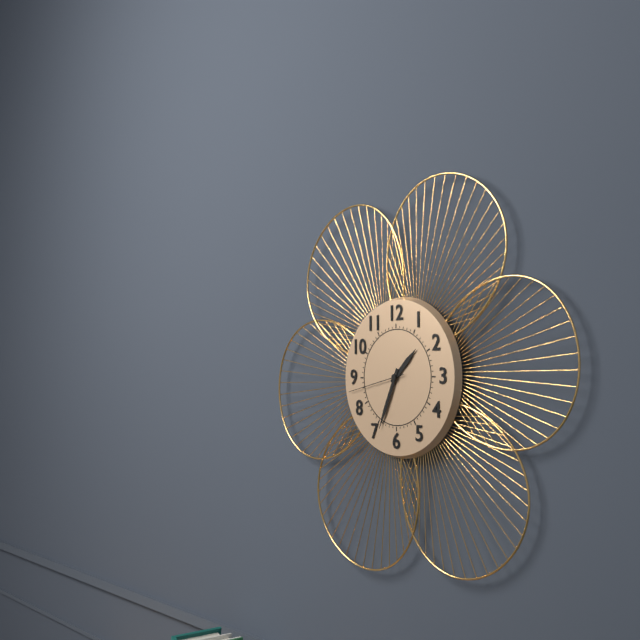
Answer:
1h34m43s
